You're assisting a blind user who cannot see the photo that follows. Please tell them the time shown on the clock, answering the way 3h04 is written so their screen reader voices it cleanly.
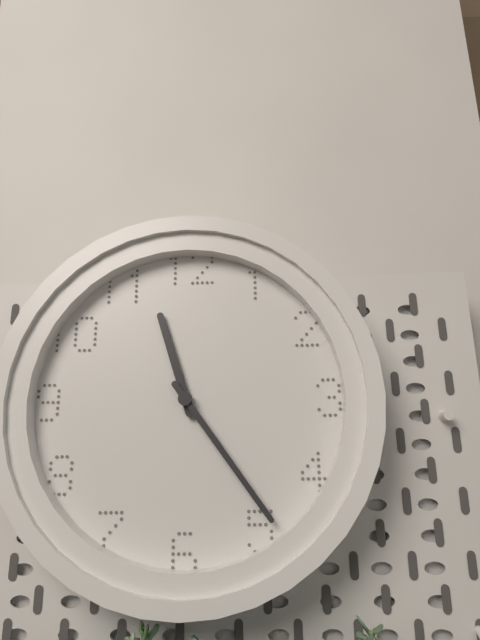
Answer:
11h24
